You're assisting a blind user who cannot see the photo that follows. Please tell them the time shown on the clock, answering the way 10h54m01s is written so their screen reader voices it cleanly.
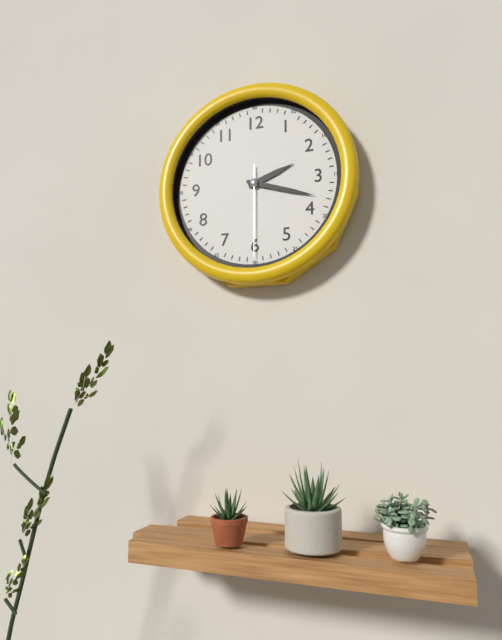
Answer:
2h18m30s
